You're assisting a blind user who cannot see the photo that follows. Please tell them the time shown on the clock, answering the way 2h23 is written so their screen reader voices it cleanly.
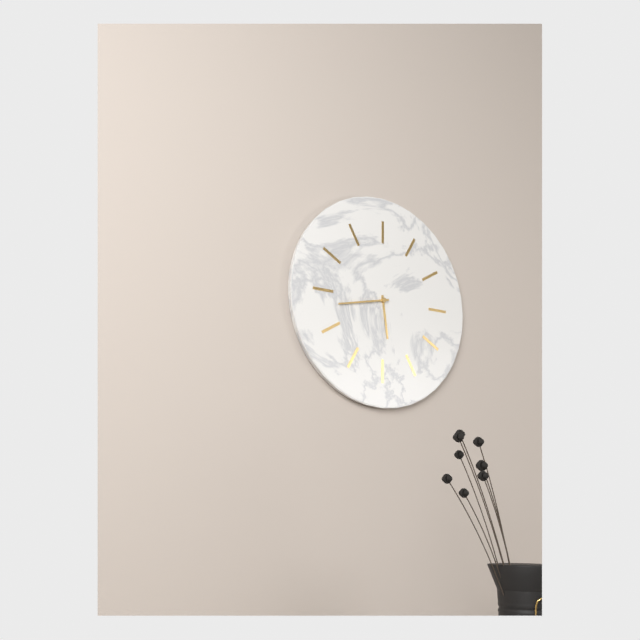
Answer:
5h43
